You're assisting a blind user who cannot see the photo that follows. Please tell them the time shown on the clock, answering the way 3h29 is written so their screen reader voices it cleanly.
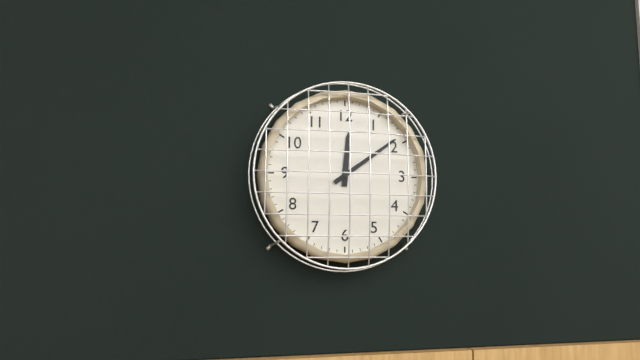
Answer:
12h09
